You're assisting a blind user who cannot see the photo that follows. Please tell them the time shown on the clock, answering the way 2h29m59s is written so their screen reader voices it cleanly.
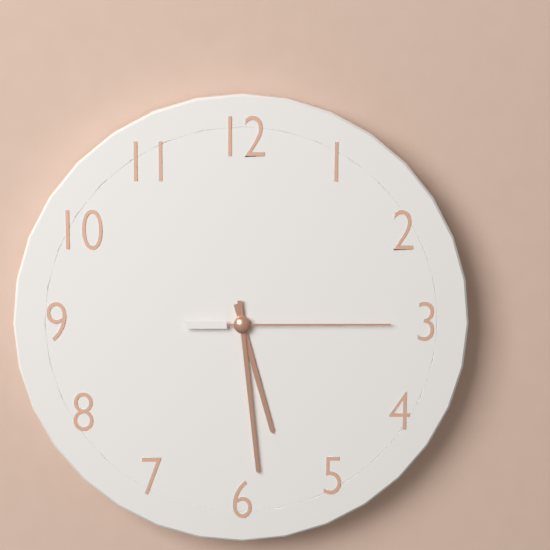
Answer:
5h29m15s
